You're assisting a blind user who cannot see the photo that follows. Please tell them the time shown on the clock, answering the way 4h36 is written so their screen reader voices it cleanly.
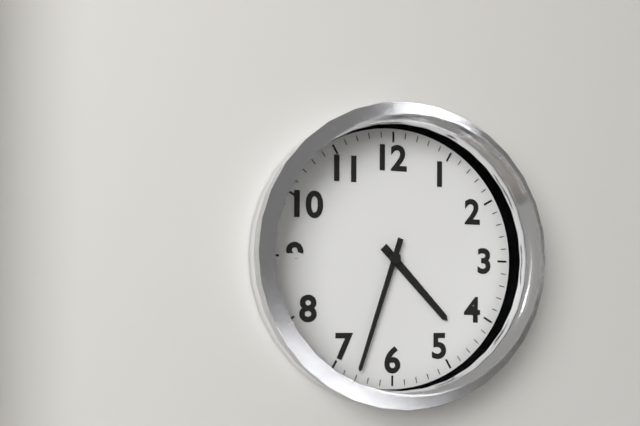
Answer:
4h33
